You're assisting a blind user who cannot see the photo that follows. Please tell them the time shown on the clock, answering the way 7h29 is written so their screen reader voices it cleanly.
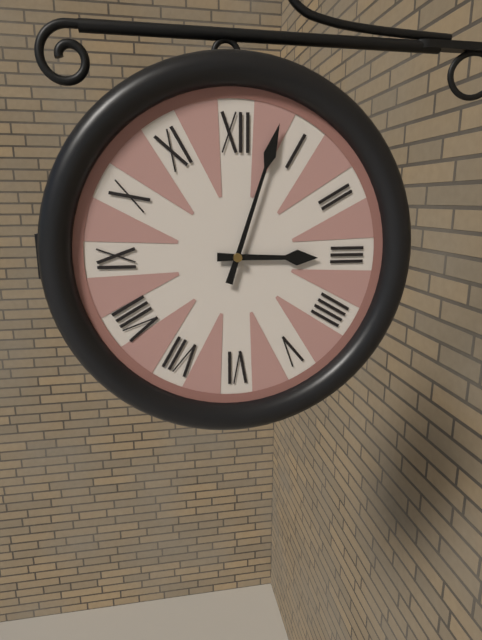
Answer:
3h03
